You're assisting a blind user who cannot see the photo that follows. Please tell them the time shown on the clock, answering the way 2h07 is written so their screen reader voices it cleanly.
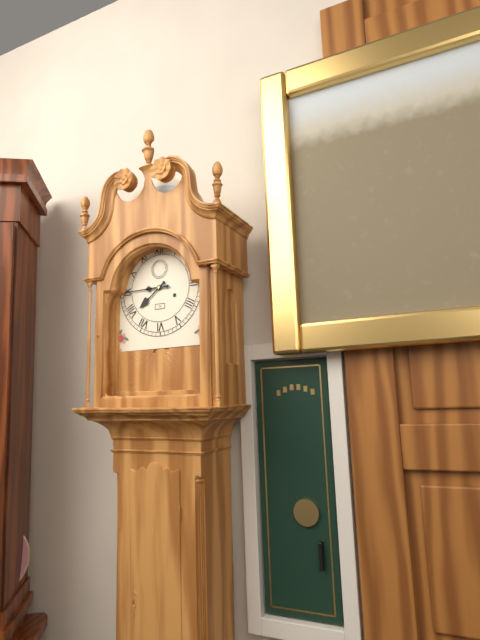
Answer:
7h45
